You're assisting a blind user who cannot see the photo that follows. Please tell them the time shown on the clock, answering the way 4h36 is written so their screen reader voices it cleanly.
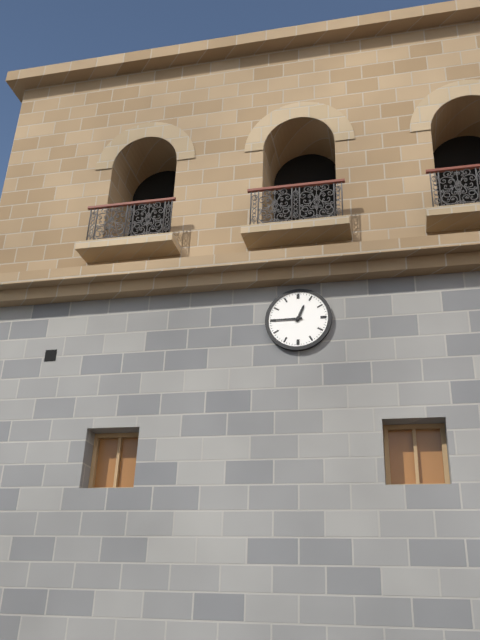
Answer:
12h45
